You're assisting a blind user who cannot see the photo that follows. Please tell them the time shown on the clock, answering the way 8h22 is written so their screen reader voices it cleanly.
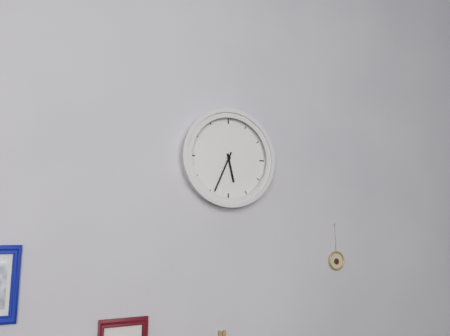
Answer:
5h34
